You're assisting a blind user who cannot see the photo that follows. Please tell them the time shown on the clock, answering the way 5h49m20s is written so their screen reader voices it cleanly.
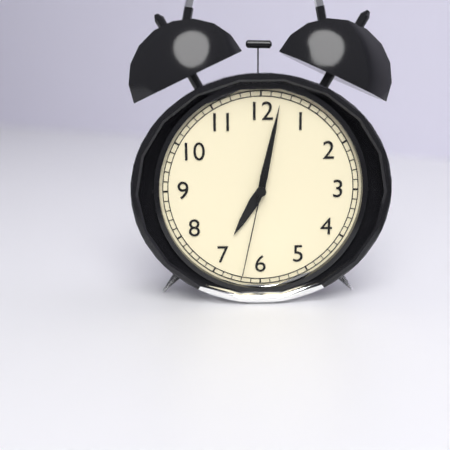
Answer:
7h02m32s
